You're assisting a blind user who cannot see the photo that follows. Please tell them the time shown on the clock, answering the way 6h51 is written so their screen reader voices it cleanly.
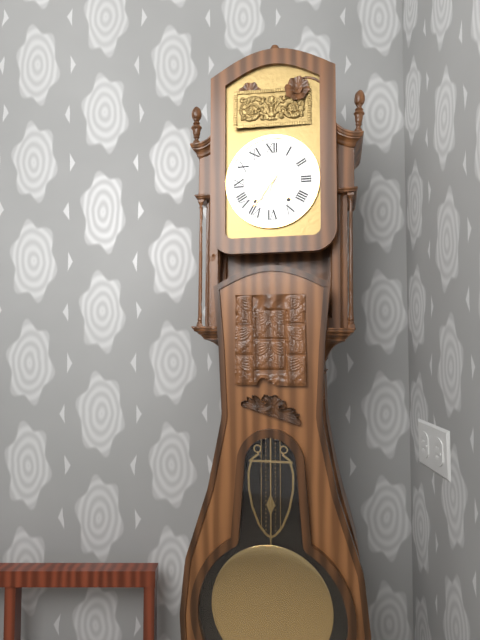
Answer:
6h36
